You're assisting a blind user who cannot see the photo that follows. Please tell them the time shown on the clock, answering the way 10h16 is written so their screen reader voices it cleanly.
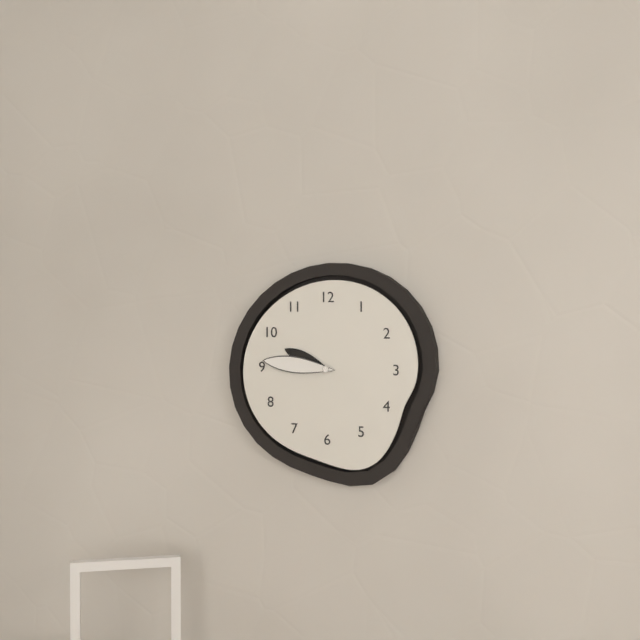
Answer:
9h46
